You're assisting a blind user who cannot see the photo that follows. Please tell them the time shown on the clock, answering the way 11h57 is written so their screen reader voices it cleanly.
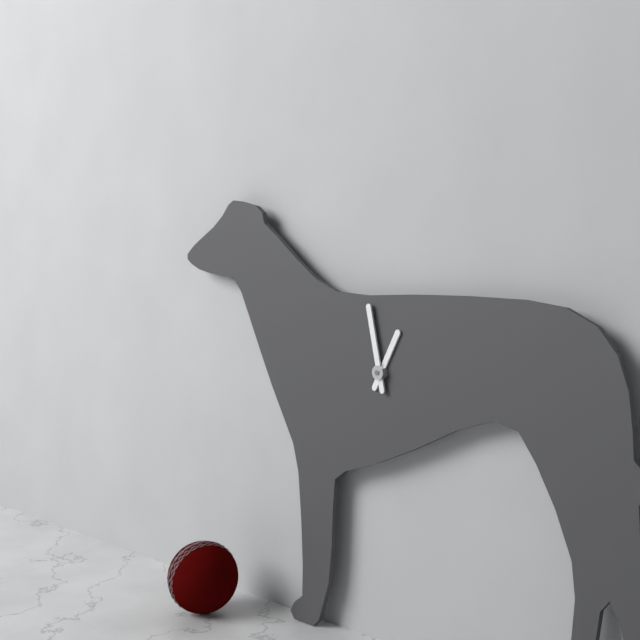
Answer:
12h58
